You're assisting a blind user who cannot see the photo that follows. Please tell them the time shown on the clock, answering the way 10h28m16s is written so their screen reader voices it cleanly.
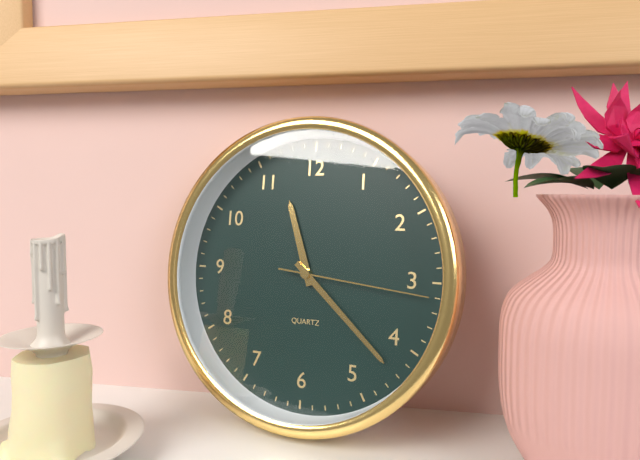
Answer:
11h22m16s
